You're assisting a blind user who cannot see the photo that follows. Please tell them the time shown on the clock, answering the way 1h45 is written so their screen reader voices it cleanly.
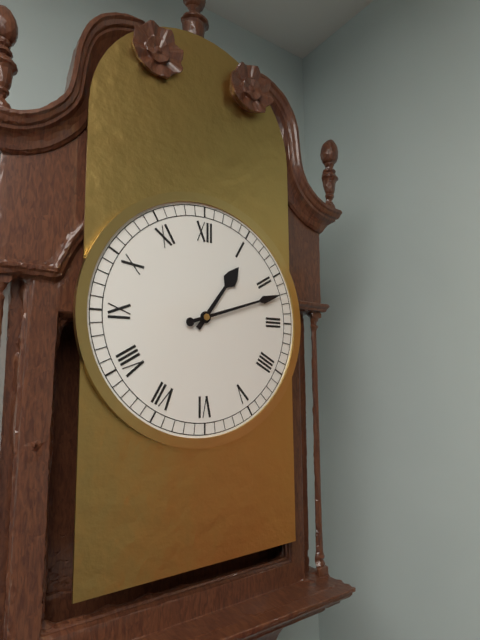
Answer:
1h12
